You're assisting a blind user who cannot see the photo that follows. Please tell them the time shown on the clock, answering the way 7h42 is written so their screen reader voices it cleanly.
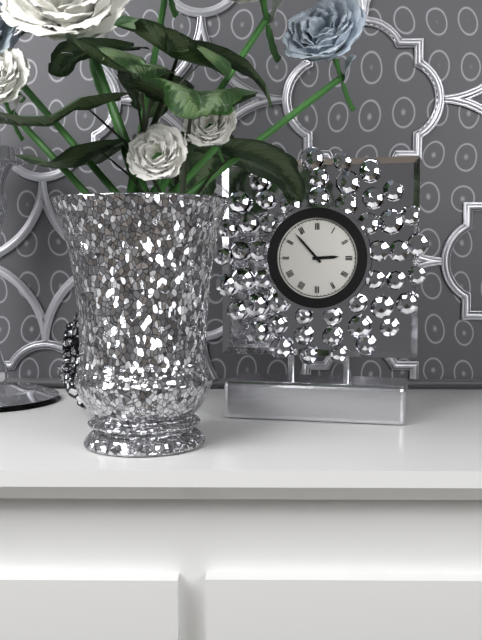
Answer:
2h53
